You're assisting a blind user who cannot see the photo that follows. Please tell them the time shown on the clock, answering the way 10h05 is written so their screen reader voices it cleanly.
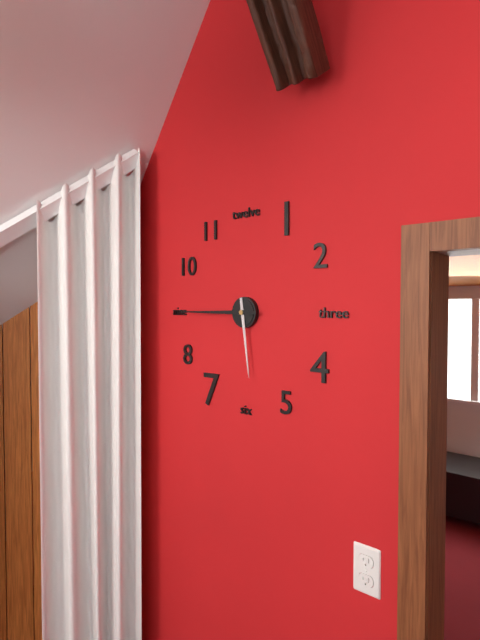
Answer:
5h45
